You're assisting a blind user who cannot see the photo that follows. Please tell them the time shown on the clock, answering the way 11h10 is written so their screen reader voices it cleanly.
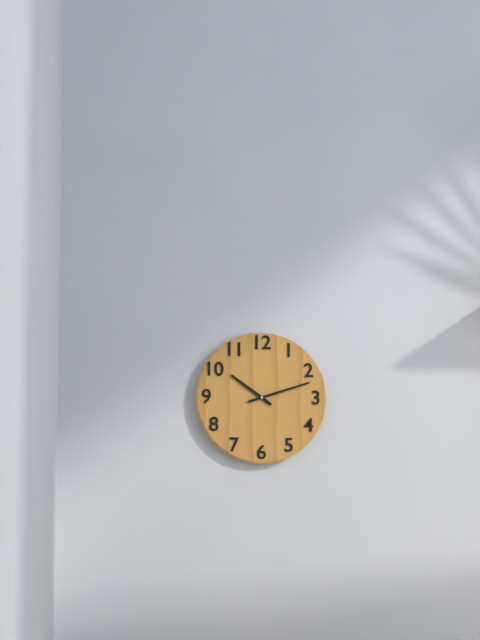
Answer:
10h12
